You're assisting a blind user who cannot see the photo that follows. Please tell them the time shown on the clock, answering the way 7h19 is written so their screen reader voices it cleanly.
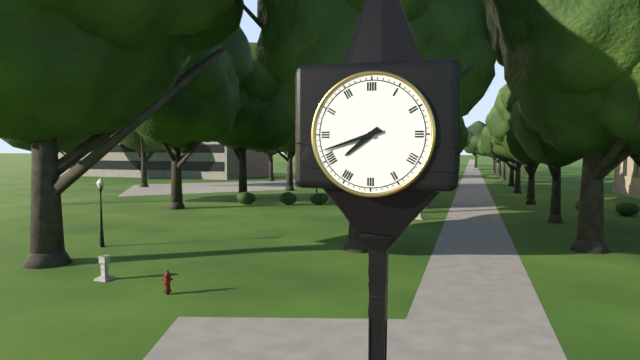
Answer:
7h42
